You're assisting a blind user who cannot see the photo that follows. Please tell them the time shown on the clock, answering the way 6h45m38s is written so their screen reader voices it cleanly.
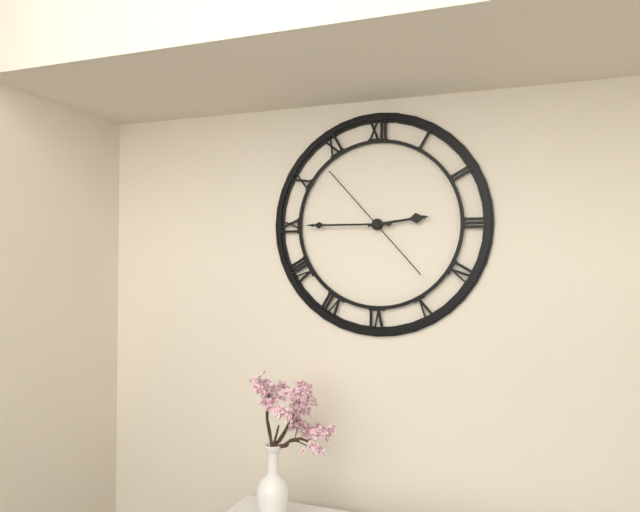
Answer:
2h45m53s
